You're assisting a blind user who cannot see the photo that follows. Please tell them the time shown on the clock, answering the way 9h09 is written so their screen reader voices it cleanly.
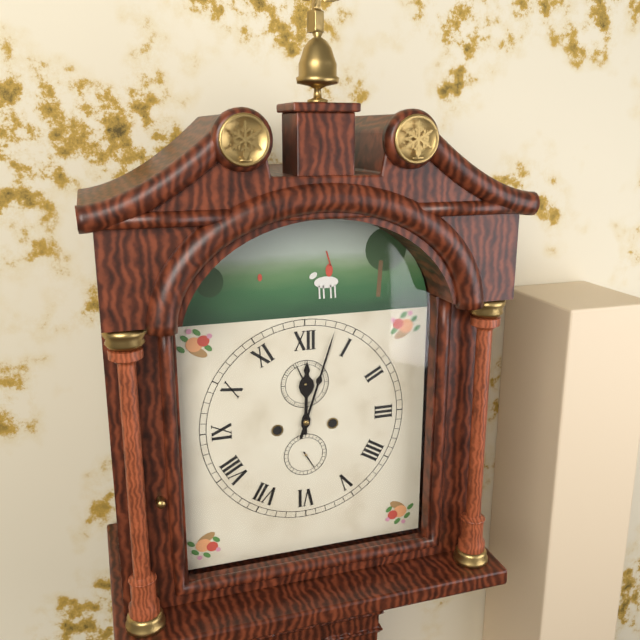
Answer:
12h03
